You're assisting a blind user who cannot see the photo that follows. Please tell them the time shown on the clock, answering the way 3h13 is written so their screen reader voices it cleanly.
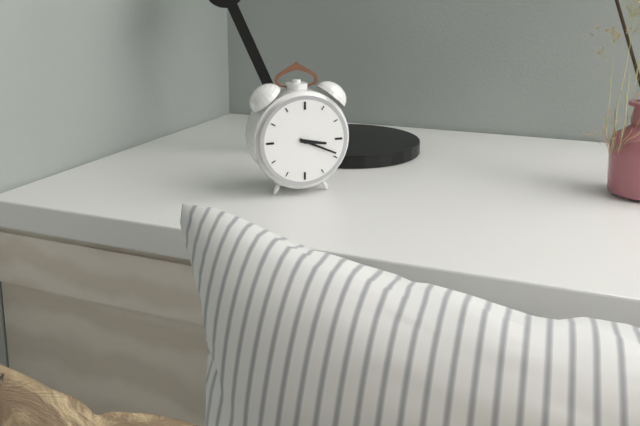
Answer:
3h19
